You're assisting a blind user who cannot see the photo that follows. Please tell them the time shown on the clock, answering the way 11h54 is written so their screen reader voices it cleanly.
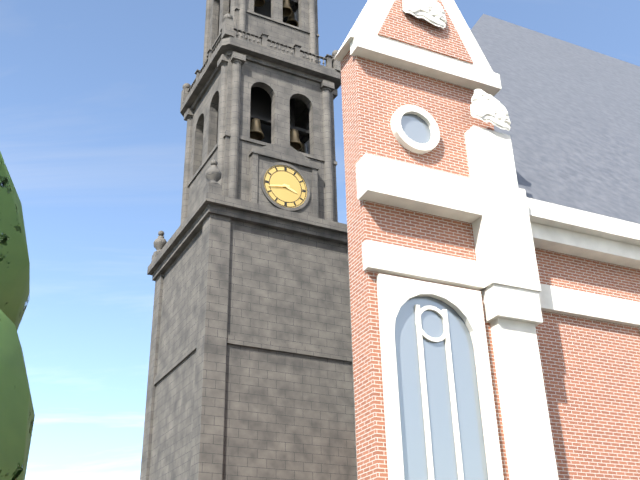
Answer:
3h43
